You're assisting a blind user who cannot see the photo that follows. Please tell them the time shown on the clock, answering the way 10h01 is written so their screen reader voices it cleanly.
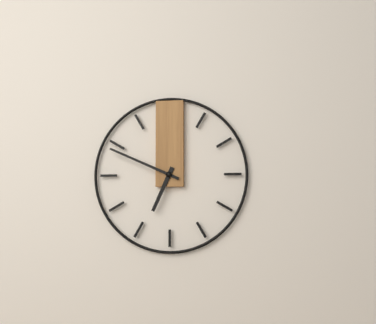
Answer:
6h49
